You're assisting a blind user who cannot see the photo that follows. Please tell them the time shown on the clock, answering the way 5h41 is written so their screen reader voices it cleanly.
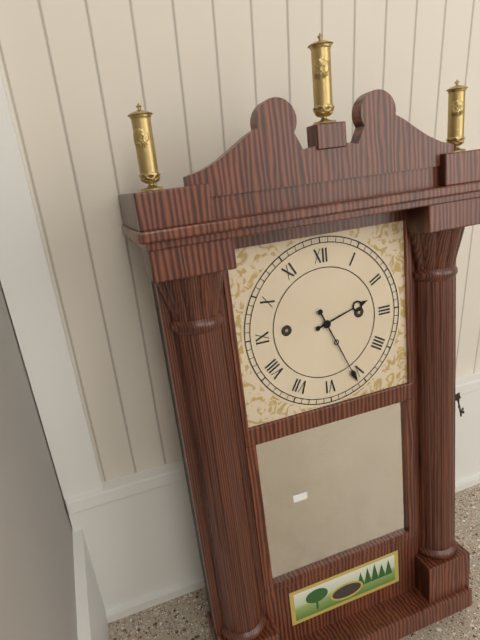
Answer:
2h26
